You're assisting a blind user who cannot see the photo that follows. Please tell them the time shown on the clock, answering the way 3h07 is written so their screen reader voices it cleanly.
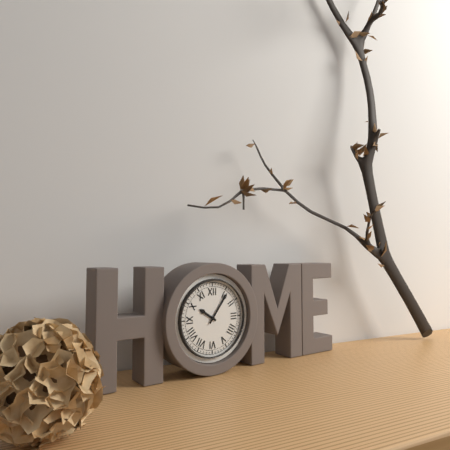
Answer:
10h06
